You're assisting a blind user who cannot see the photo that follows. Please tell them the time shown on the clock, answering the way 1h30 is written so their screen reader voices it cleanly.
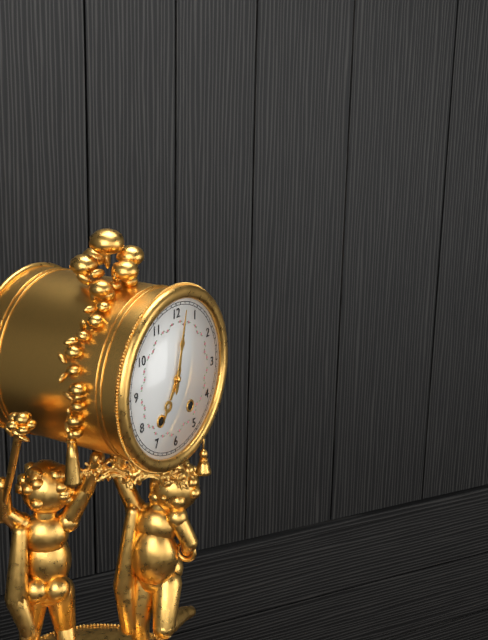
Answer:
7h02
